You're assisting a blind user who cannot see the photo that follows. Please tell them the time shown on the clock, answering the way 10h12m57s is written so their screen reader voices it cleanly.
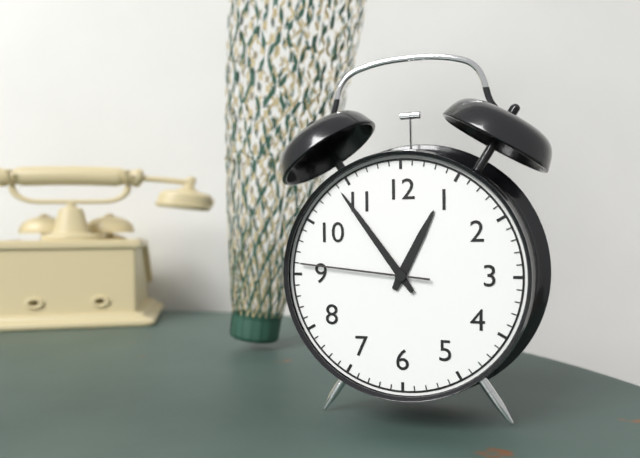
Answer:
12h54m46s
